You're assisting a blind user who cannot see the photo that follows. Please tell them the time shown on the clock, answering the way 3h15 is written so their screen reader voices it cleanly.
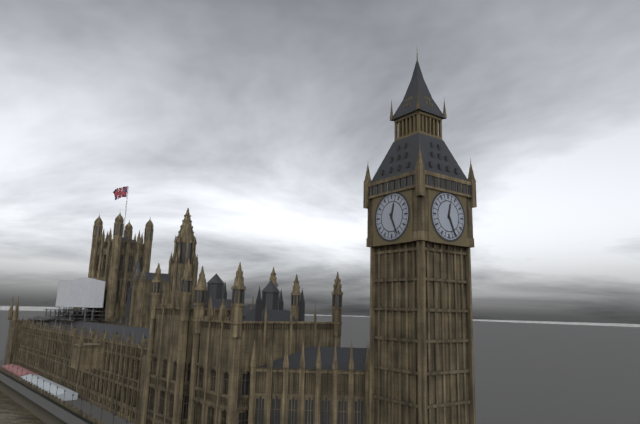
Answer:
12h26
